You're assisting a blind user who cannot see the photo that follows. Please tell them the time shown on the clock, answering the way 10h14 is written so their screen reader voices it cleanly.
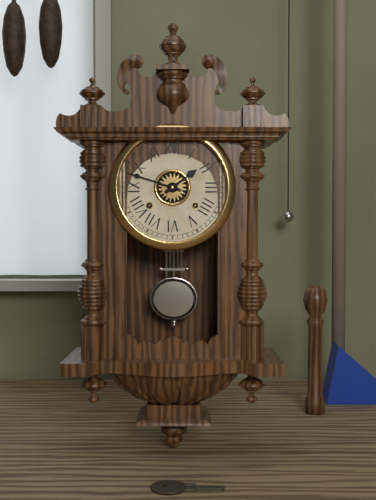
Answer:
1h48
